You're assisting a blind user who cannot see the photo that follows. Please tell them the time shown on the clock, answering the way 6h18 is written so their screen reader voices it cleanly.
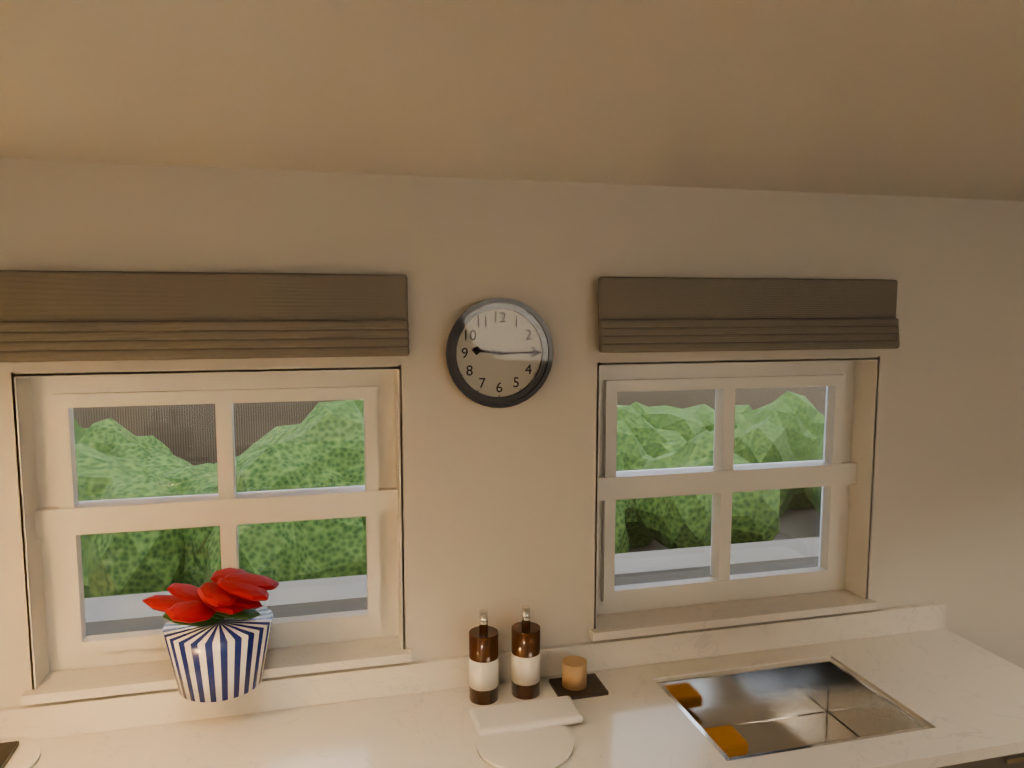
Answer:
9h15
